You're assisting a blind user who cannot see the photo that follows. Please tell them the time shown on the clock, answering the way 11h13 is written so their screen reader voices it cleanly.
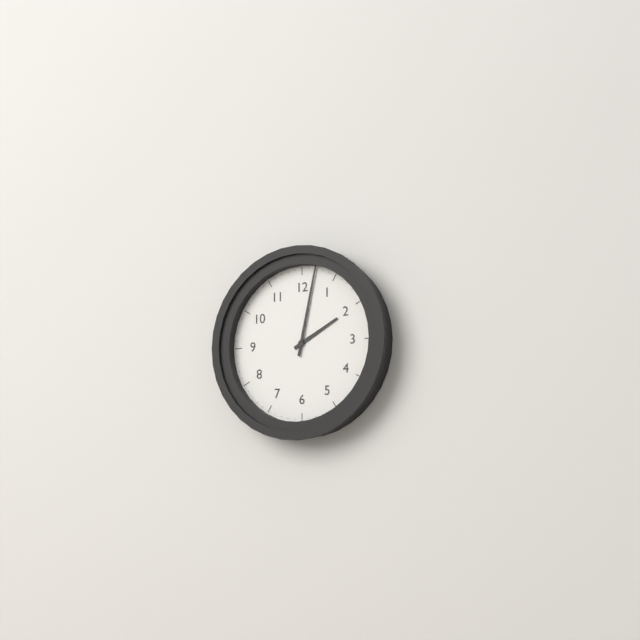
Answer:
2h02
